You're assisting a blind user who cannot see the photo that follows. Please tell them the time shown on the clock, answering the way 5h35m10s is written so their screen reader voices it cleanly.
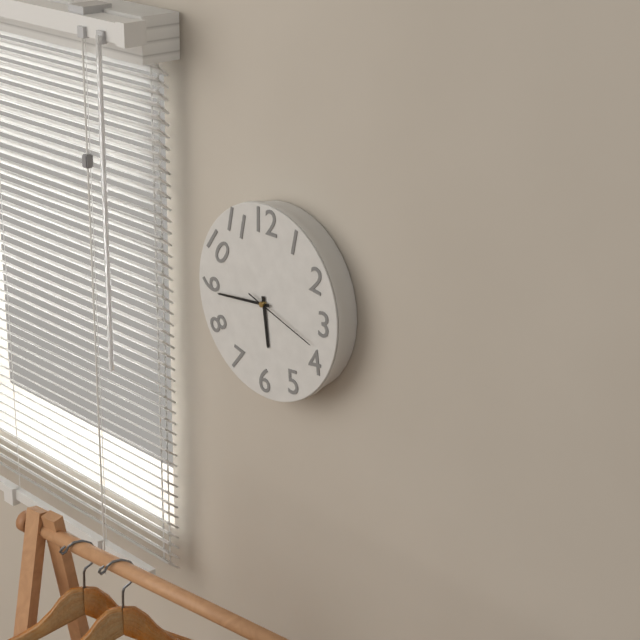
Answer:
5h44m18s
